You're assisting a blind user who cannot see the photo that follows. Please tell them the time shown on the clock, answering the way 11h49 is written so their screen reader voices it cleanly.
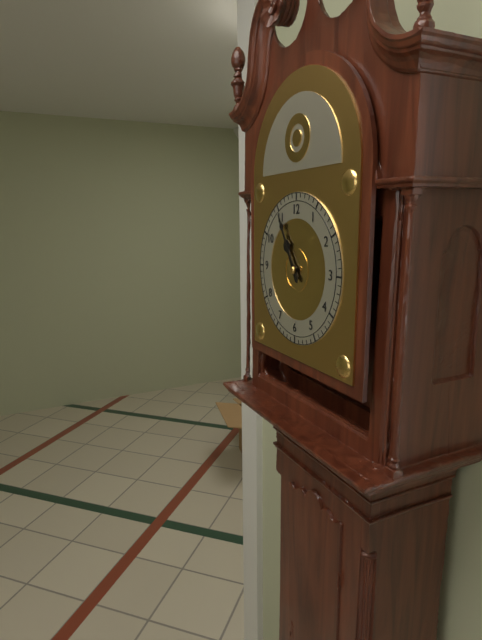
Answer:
10h55
